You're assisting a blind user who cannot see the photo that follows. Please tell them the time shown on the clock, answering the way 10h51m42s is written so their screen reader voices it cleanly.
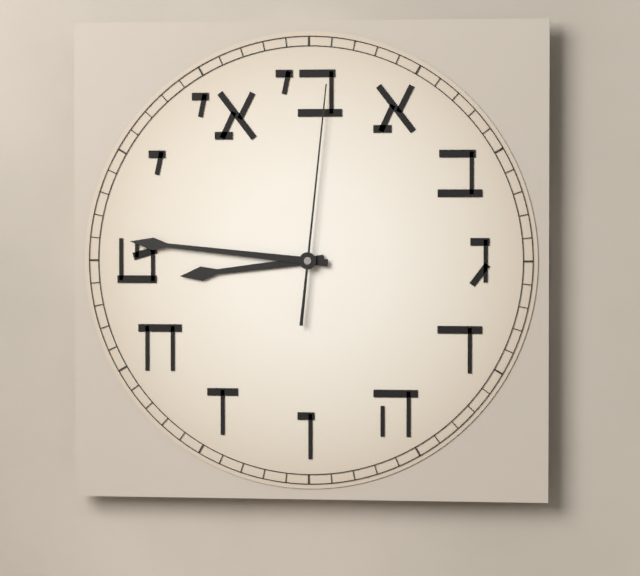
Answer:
8h46m01s
